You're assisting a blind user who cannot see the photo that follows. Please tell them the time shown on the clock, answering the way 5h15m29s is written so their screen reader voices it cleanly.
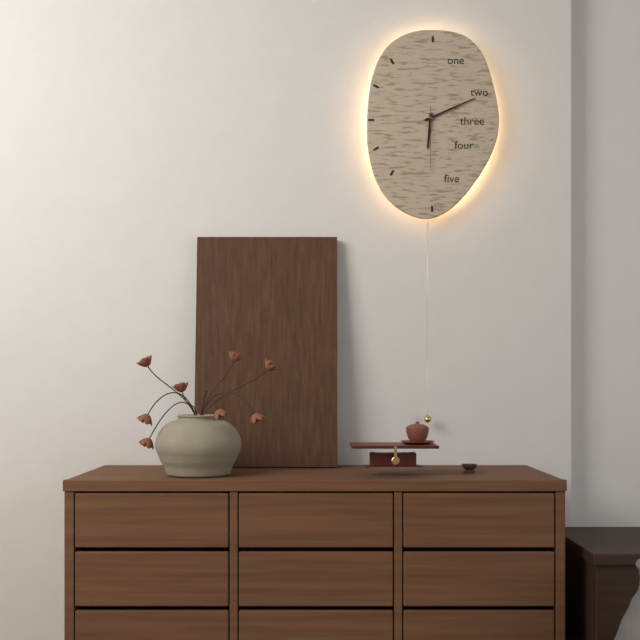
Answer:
6h11m30s
